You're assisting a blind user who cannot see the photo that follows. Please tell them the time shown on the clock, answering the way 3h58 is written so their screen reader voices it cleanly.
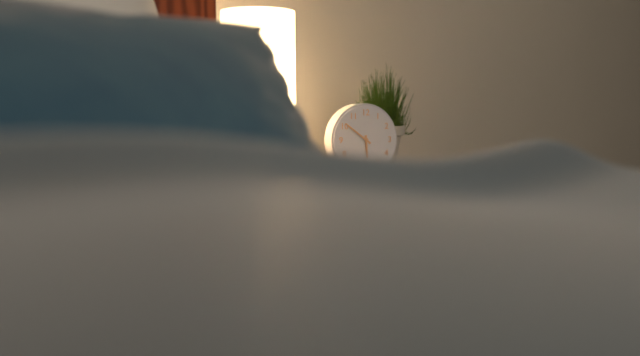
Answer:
5h51
